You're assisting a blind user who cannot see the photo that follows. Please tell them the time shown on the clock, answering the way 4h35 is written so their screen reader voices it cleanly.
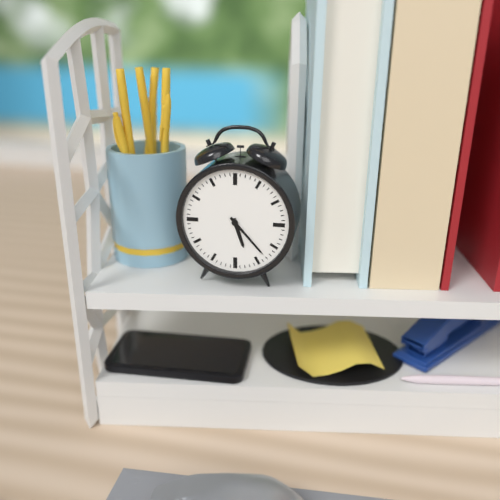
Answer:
5h23
